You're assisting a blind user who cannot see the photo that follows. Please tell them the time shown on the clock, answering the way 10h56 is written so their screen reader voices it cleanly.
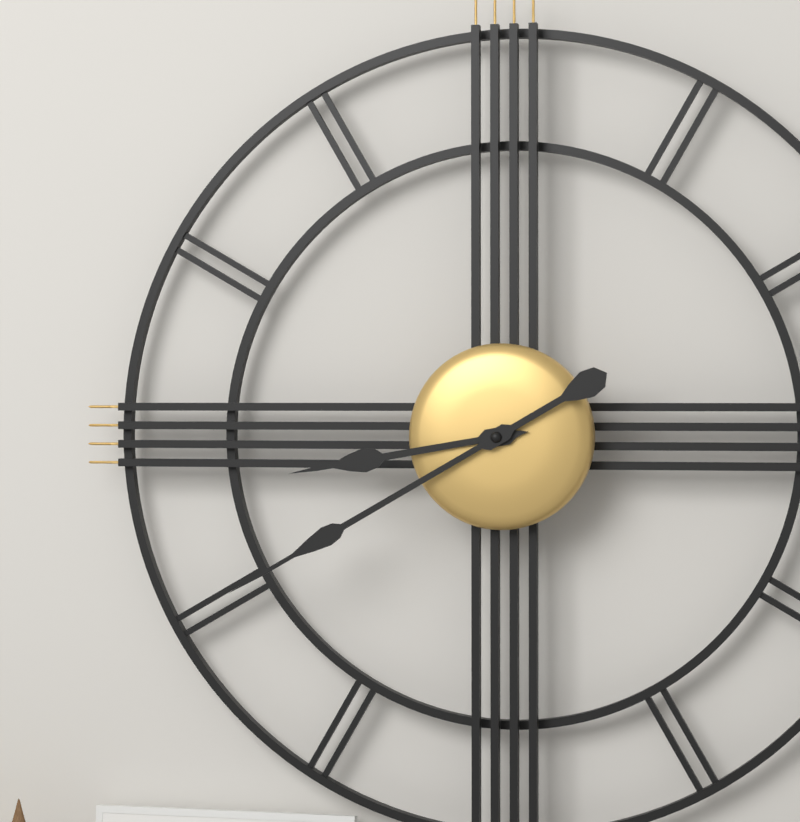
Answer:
8h40
